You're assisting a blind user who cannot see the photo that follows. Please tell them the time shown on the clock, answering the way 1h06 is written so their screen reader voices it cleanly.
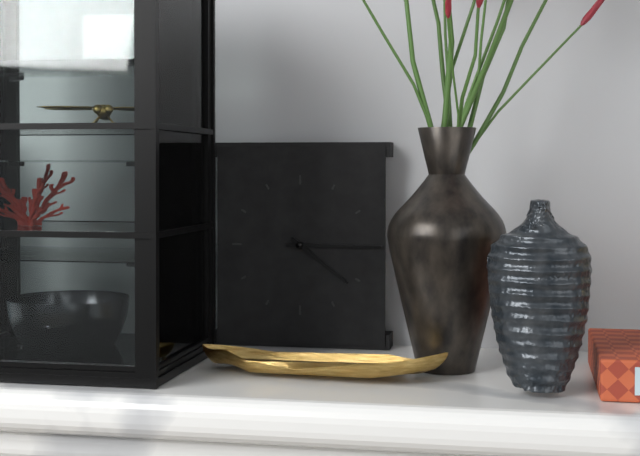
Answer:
4h15
